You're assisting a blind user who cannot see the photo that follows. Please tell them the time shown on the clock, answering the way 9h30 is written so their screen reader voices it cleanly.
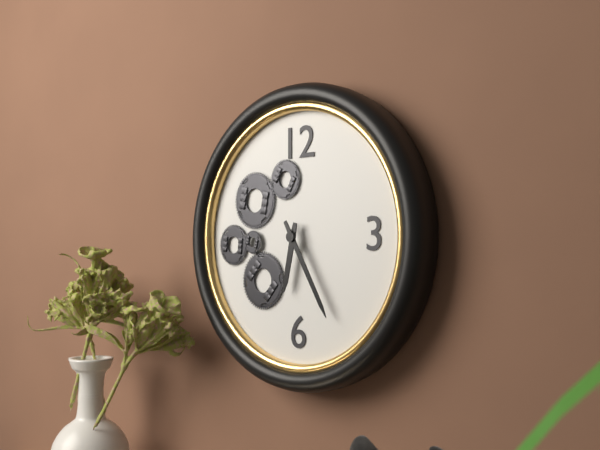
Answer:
6h25
